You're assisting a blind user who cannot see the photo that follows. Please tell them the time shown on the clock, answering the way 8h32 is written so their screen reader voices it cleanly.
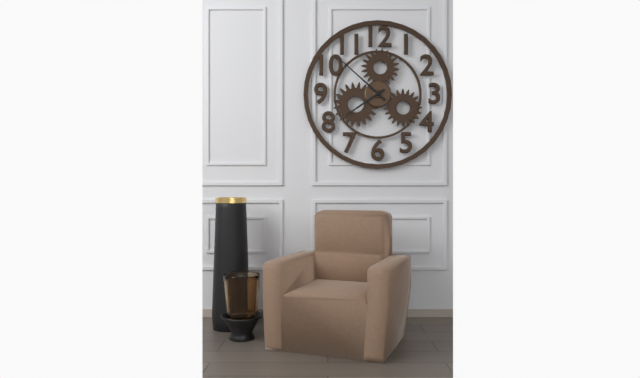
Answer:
7h52
